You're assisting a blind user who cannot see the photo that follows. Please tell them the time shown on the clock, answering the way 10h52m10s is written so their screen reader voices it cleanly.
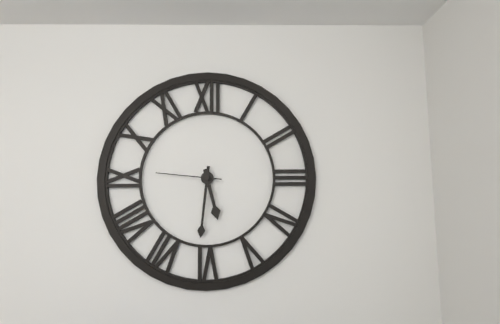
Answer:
5h31m46s
